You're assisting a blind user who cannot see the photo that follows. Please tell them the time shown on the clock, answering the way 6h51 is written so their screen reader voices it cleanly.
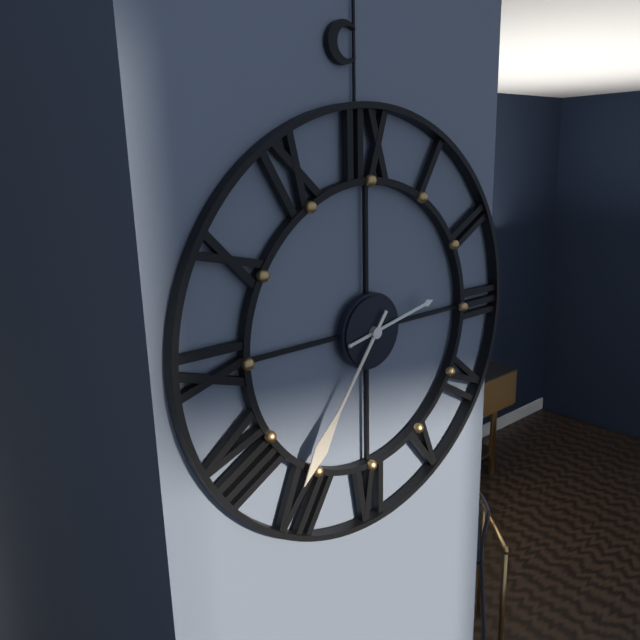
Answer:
2h36
